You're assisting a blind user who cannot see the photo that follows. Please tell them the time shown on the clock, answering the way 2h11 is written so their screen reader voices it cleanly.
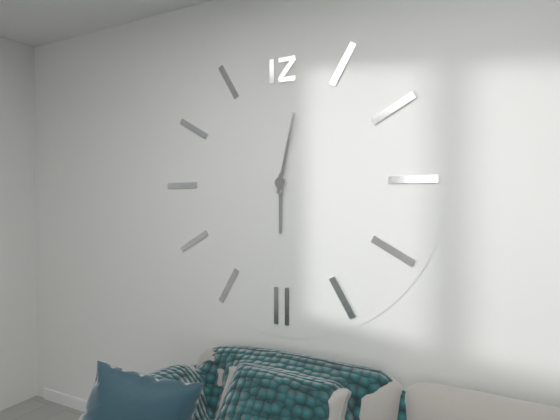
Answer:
6h02
